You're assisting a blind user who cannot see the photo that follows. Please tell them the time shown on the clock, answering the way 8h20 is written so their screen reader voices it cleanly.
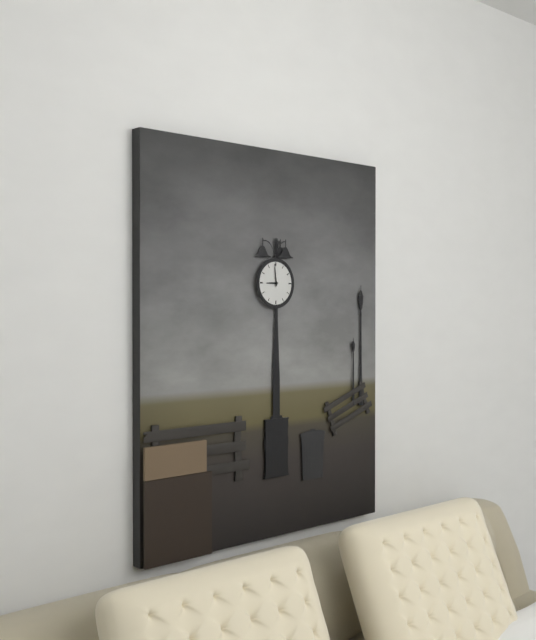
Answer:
8h59
